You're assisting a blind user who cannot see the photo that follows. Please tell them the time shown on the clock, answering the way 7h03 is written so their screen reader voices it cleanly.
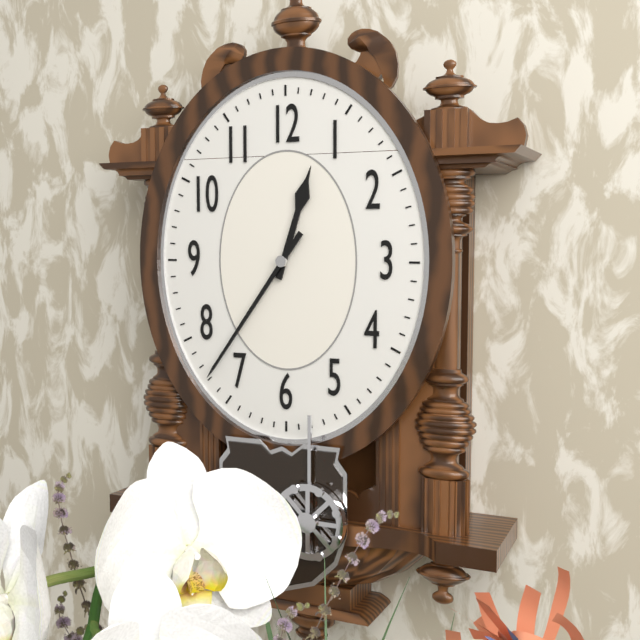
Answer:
12h36
